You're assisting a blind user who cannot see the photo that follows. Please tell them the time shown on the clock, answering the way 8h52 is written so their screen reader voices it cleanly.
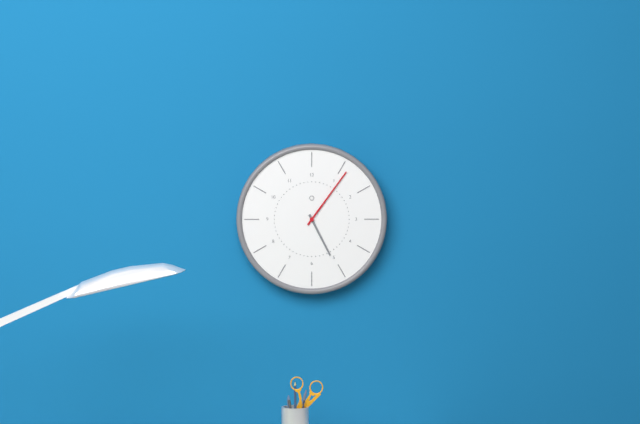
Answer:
5h06
